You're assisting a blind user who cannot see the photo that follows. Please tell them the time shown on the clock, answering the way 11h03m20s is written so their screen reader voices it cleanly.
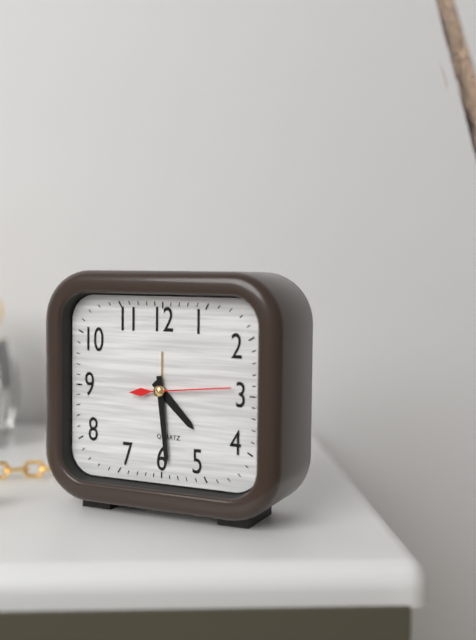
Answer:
4h29m14s
